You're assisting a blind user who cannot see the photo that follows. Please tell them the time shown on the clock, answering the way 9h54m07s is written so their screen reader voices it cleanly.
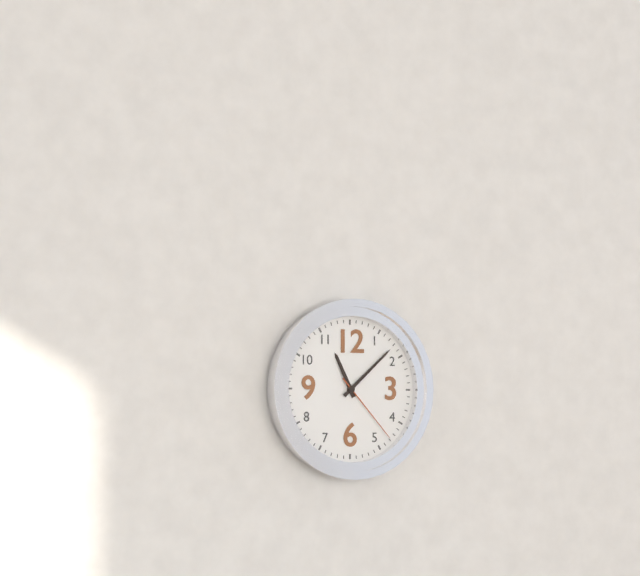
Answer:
11h08m23s
